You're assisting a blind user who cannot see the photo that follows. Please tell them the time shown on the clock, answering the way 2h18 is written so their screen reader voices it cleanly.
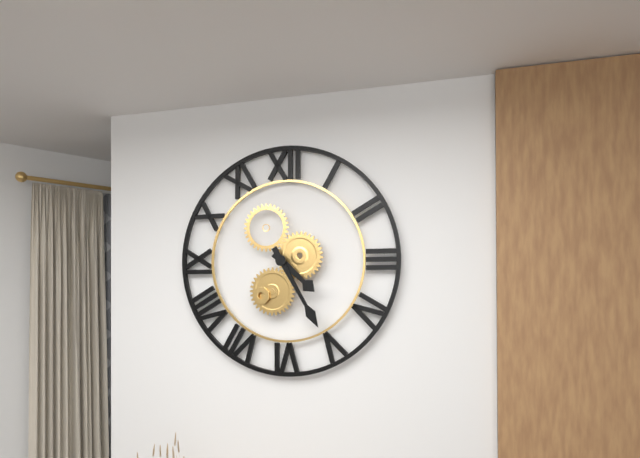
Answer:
4h25
